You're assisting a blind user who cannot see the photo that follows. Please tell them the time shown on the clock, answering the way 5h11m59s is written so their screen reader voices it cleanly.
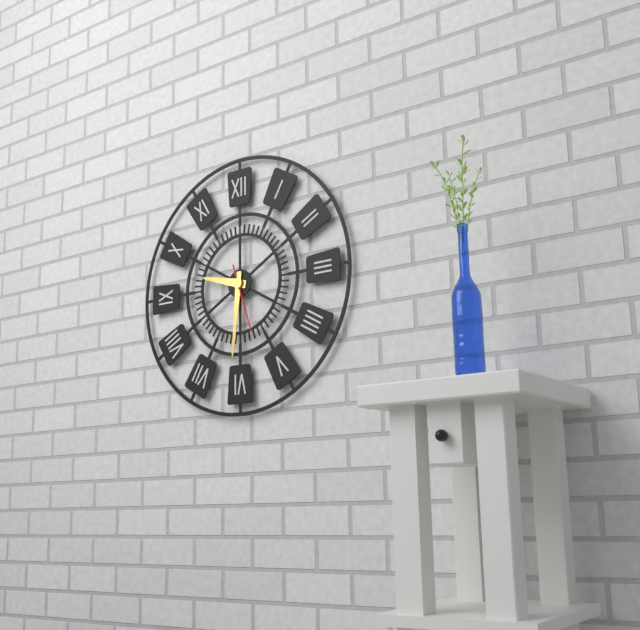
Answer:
9h31m27s
